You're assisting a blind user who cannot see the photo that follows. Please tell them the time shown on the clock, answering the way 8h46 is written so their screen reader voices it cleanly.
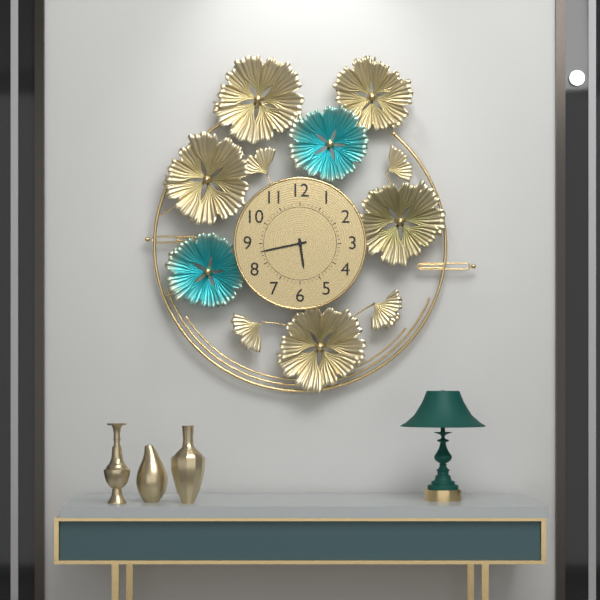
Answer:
5h43
